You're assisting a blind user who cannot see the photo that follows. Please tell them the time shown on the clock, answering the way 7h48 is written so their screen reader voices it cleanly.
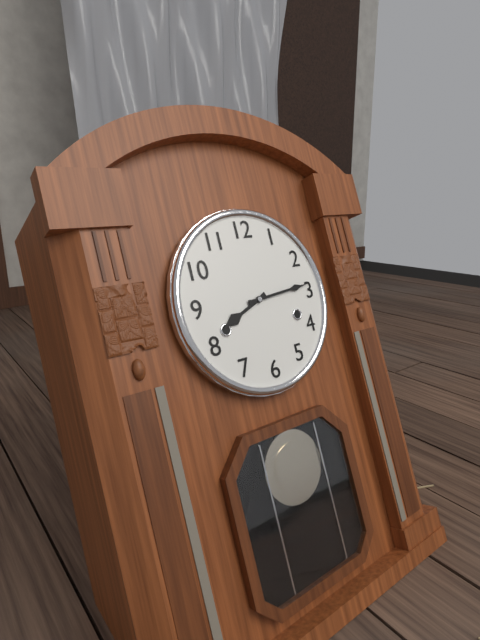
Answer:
8h14
